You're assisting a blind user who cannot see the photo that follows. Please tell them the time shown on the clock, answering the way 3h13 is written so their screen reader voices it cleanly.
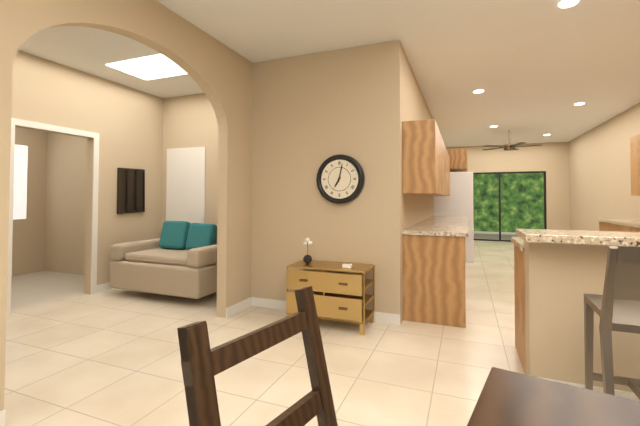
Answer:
7h02
